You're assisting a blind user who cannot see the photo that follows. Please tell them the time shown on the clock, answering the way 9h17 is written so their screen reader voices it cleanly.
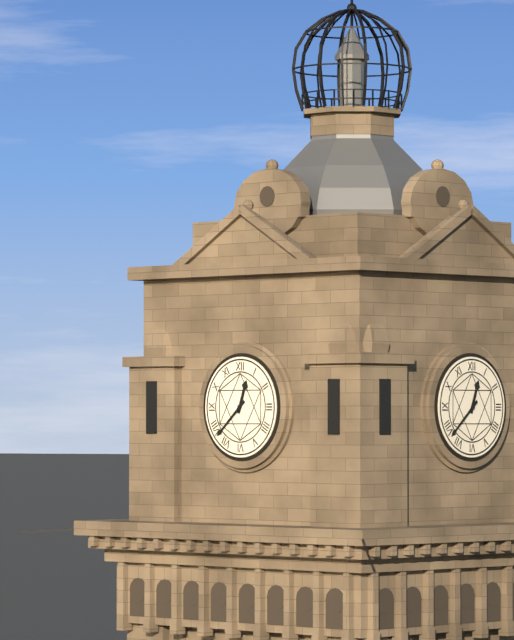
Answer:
12h38
